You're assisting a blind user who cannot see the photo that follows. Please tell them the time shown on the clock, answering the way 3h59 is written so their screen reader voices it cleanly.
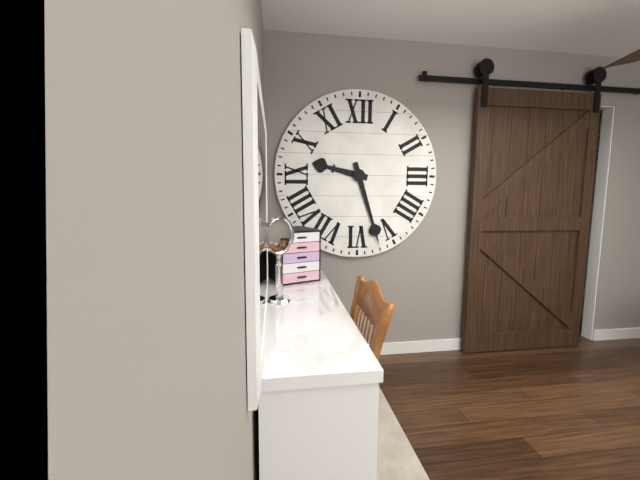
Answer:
9h27
